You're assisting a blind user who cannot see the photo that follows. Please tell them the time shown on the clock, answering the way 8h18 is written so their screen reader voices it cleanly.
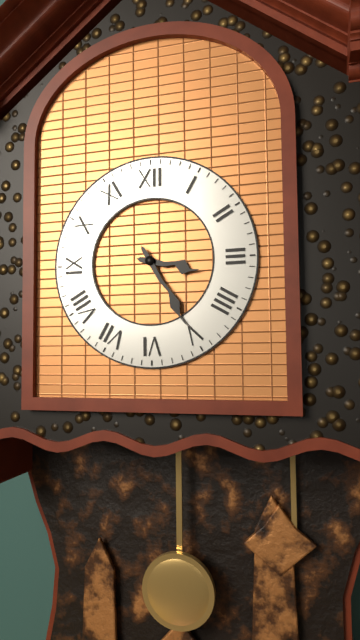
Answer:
3h25
